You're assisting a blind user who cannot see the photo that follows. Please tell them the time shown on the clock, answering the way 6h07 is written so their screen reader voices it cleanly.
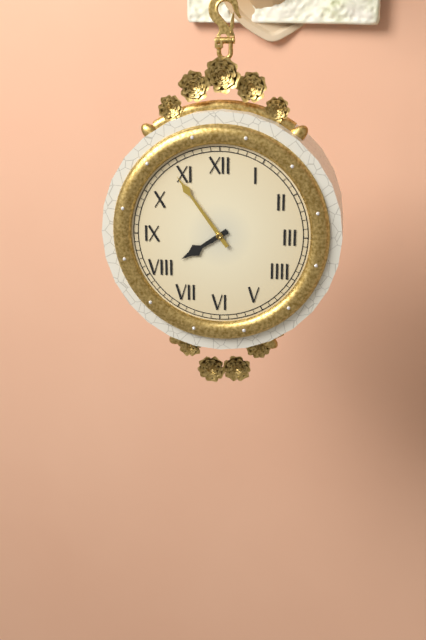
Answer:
7h54
